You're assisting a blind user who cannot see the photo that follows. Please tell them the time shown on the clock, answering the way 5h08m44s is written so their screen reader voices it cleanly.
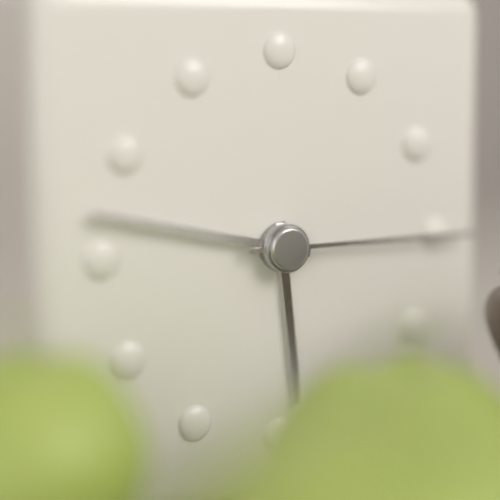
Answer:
5h47m15s
